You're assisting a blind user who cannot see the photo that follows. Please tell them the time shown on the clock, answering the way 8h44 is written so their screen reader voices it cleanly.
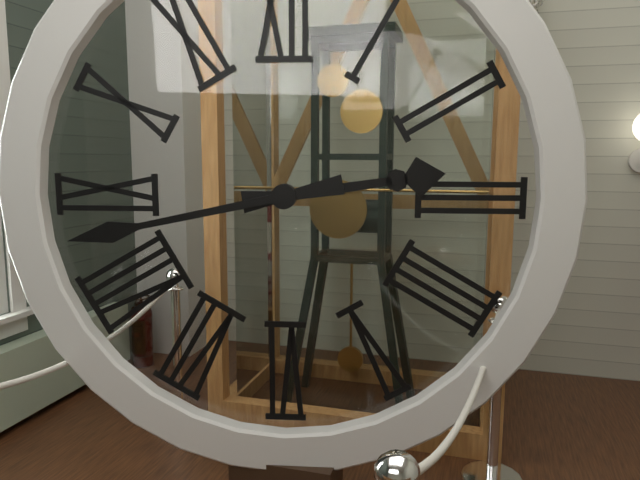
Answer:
2h43
